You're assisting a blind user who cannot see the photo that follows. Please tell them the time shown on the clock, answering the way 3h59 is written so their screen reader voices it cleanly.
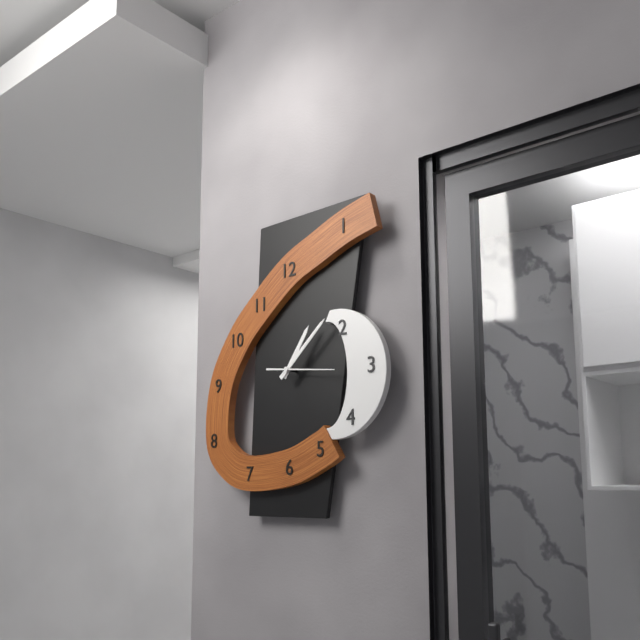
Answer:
1h08
